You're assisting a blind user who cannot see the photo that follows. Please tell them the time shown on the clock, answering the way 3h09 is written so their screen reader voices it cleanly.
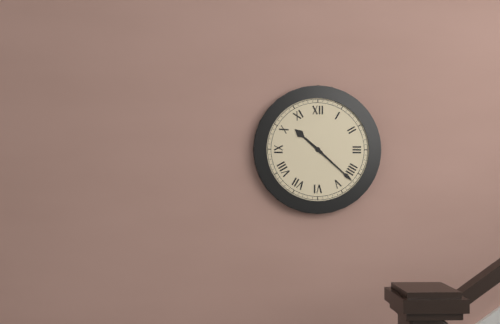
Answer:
10h22
